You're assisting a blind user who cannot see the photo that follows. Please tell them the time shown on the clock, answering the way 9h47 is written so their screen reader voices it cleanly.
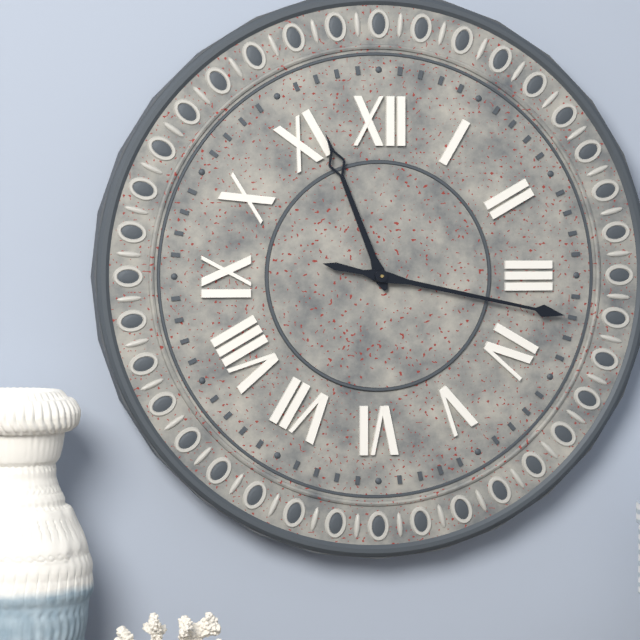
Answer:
11h17
